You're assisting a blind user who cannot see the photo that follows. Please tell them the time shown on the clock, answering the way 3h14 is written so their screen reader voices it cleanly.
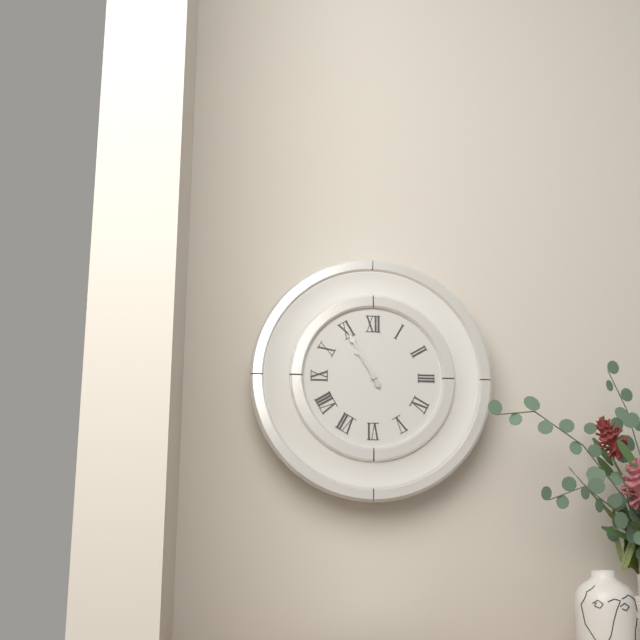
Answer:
10h55
